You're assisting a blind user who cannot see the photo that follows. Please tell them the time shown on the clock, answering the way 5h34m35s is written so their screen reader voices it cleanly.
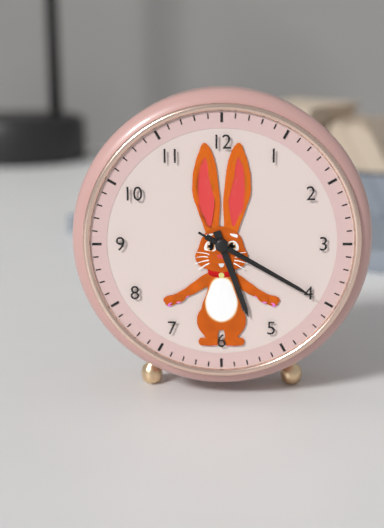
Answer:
5h20m20s
